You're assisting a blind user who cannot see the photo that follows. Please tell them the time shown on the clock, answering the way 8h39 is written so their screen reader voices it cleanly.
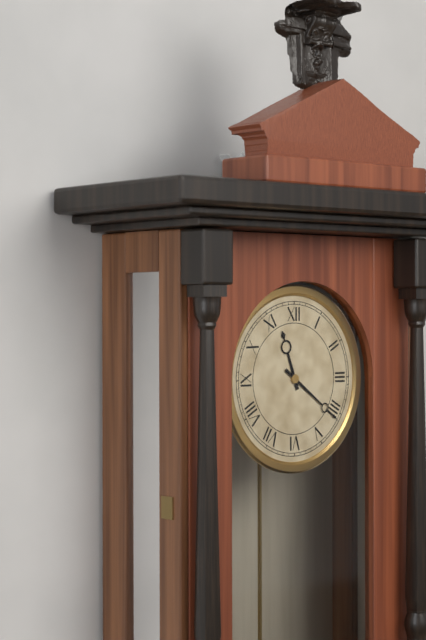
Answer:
11h21
